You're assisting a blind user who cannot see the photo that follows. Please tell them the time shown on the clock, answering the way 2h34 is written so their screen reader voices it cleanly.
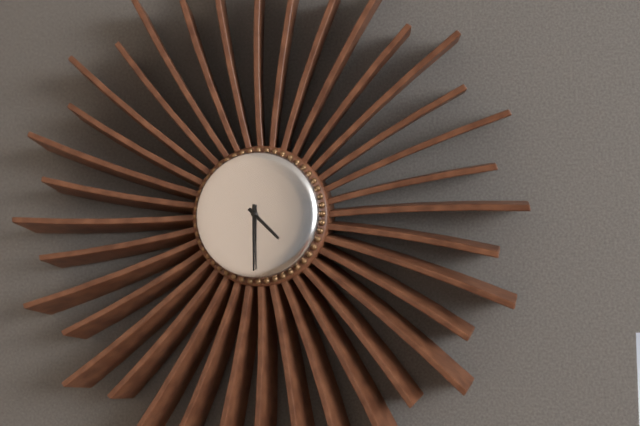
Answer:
4h30
